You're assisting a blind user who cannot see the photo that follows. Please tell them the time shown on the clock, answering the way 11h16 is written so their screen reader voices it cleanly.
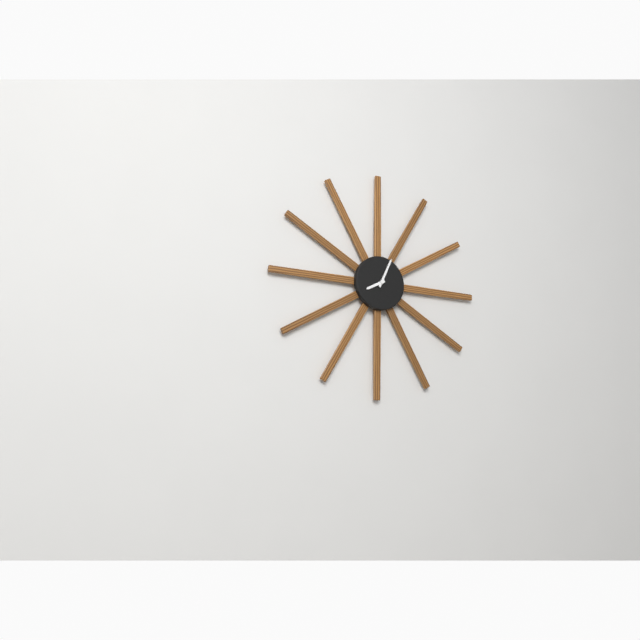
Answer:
8h04
